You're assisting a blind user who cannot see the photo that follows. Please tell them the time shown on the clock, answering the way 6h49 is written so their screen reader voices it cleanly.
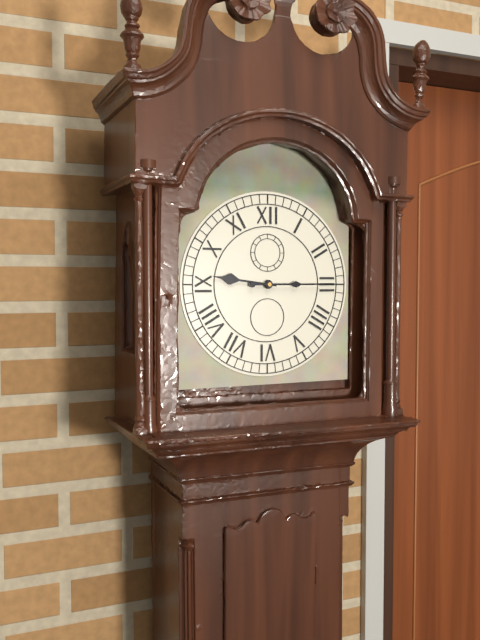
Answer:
9h15
